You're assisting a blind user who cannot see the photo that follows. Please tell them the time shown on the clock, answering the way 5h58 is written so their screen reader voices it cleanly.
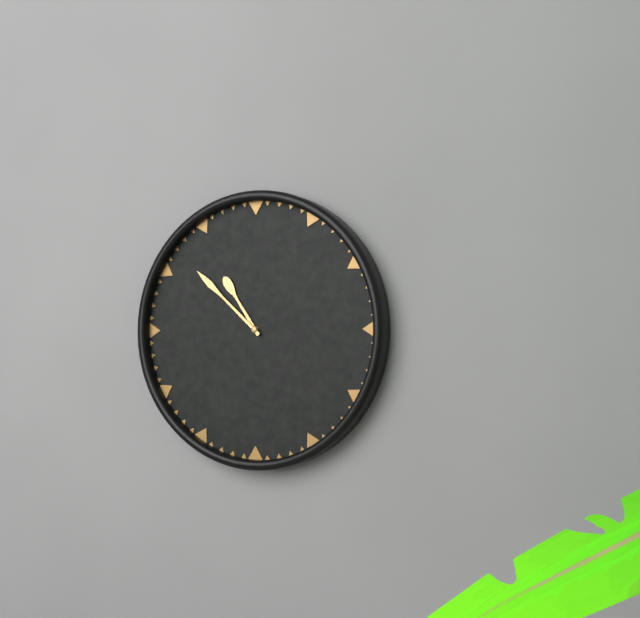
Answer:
10h52
